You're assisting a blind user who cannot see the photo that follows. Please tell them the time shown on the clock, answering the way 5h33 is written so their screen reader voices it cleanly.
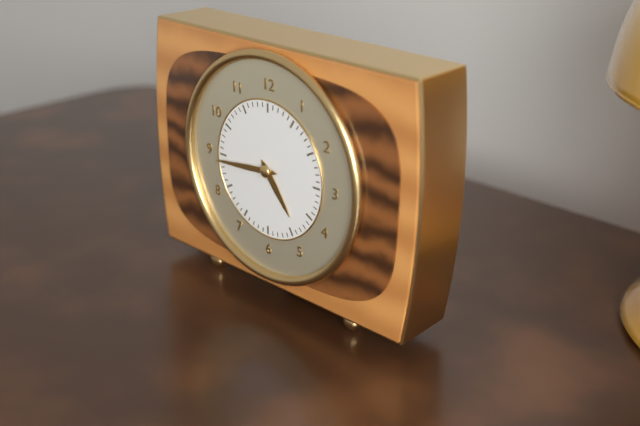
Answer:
4h44
